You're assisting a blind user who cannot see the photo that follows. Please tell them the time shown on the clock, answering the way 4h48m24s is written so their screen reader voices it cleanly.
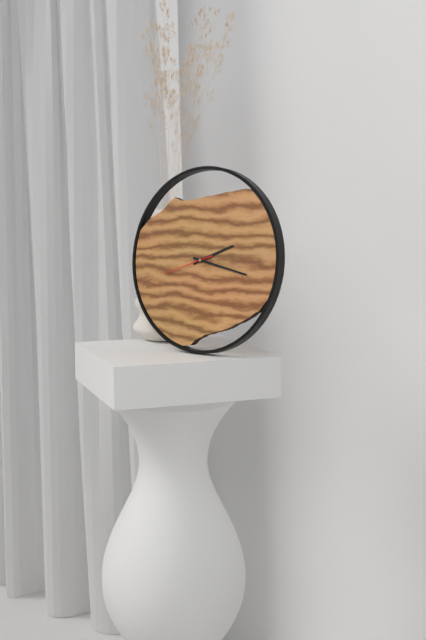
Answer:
2h17m42s
